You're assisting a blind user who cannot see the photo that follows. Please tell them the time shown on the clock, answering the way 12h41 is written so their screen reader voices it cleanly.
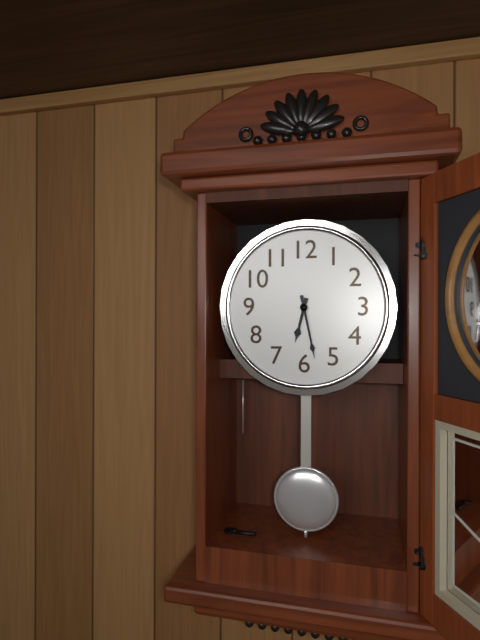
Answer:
6h28
